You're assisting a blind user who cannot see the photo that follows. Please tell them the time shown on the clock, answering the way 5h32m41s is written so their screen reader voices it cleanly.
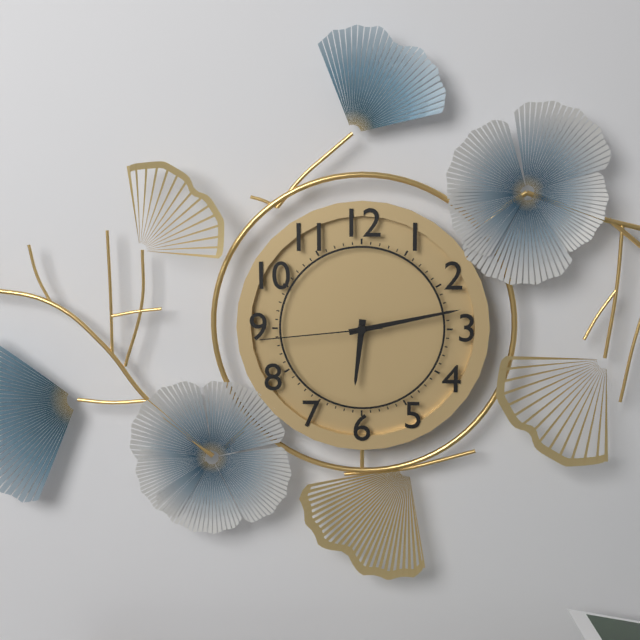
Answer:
6h13m44s
